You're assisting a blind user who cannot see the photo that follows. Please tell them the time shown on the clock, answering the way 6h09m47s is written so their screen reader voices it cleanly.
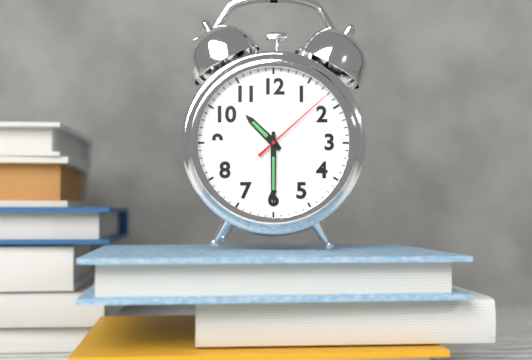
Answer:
10h30m08s
